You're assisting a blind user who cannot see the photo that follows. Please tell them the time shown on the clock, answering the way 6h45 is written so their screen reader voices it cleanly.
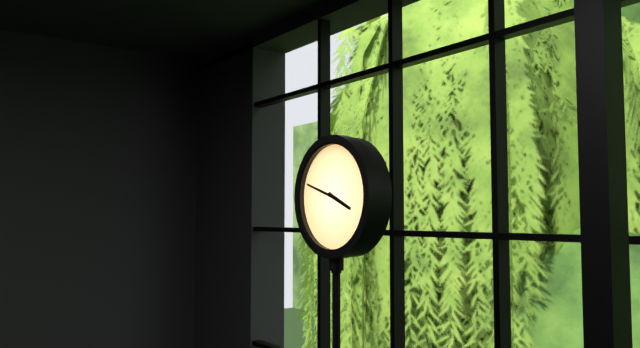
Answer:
3h48
